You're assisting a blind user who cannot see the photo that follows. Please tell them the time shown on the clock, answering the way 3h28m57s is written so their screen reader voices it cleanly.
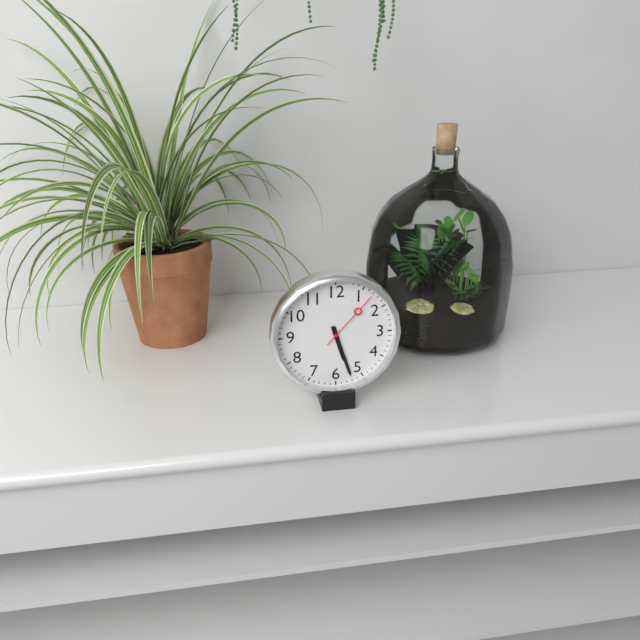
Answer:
5h27m07s
